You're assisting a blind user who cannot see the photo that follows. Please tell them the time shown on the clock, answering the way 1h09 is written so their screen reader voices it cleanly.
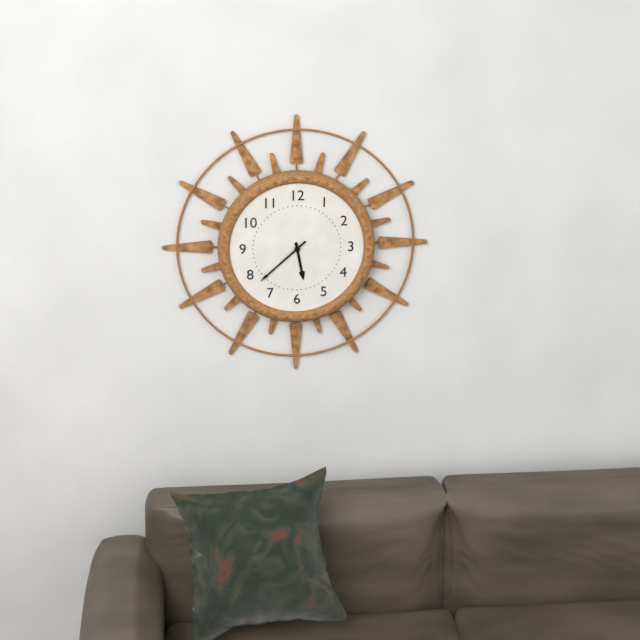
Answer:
5h38
